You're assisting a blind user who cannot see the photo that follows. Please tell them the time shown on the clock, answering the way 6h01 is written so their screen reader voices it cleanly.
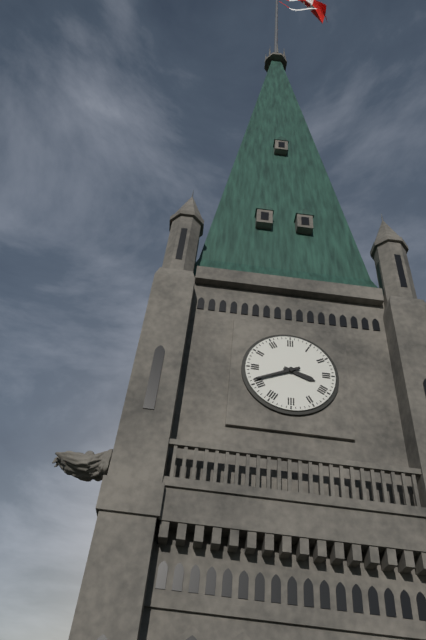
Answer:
3h41
